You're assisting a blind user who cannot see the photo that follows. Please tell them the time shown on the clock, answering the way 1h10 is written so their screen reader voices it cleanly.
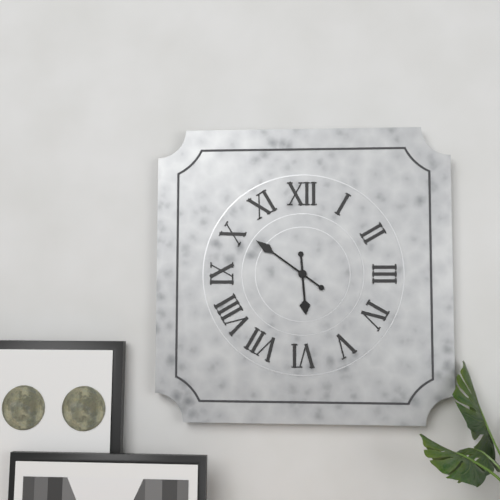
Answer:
5h51
